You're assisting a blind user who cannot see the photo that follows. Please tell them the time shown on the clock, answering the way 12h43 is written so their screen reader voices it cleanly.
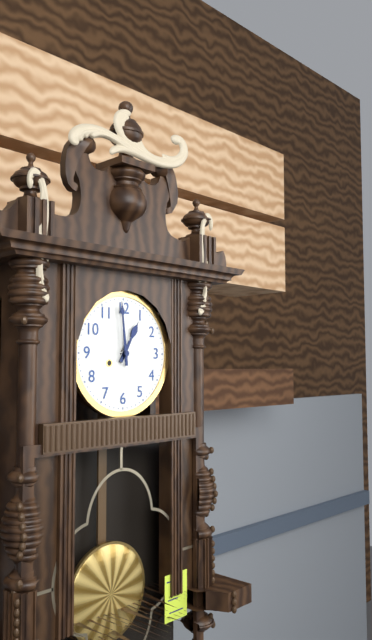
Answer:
12h59
